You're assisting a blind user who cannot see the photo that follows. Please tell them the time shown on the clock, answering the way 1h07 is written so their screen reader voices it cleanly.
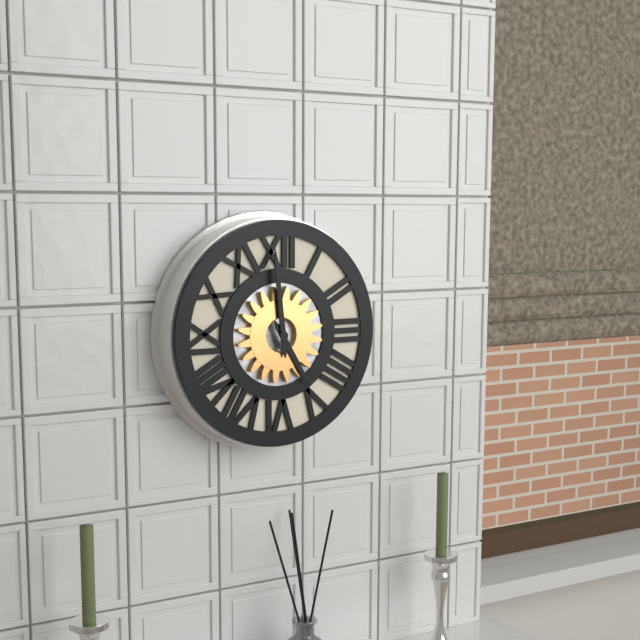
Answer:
4h59
